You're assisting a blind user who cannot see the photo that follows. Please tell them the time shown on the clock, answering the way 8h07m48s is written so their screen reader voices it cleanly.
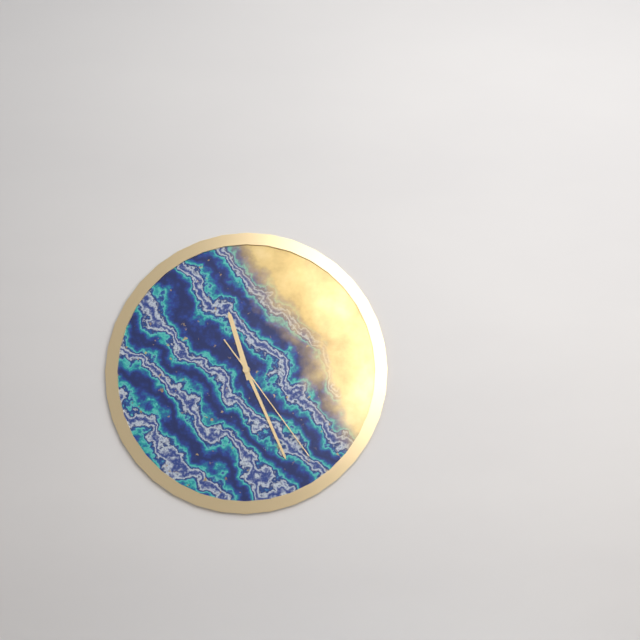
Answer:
11h26m24s
